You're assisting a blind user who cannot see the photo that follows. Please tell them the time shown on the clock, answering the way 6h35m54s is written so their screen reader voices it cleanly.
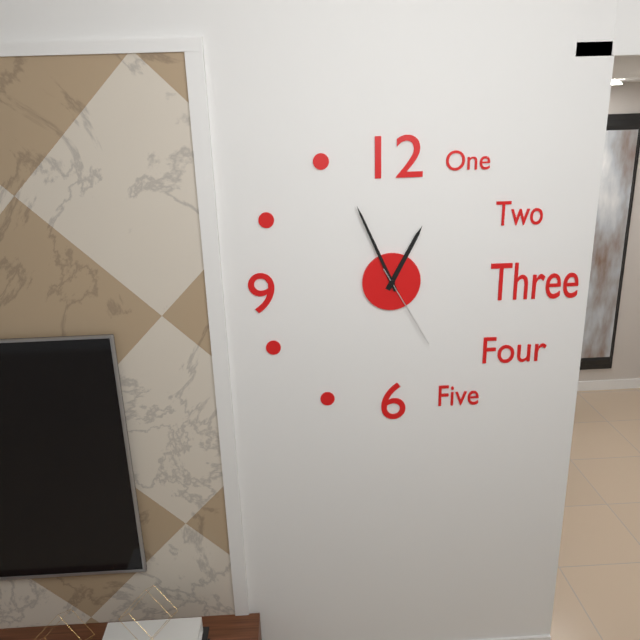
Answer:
12h56m25s
